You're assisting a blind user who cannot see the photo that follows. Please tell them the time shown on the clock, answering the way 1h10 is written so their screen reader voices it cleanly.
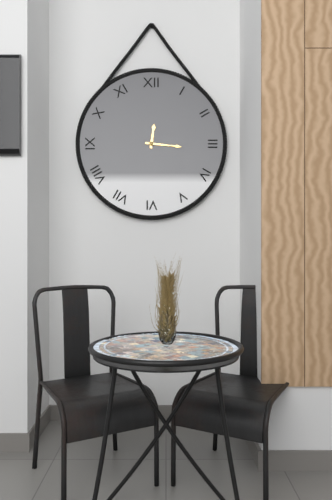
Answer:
12h16
